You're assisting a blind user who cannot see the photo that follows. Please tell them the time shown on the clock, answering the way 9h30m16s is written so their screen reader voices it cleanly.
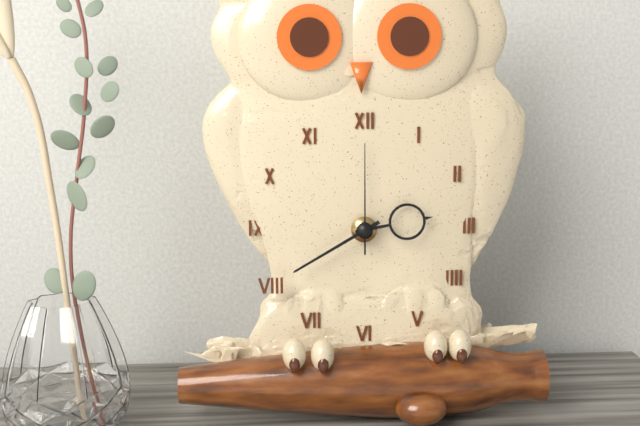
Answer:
2h40m00s
